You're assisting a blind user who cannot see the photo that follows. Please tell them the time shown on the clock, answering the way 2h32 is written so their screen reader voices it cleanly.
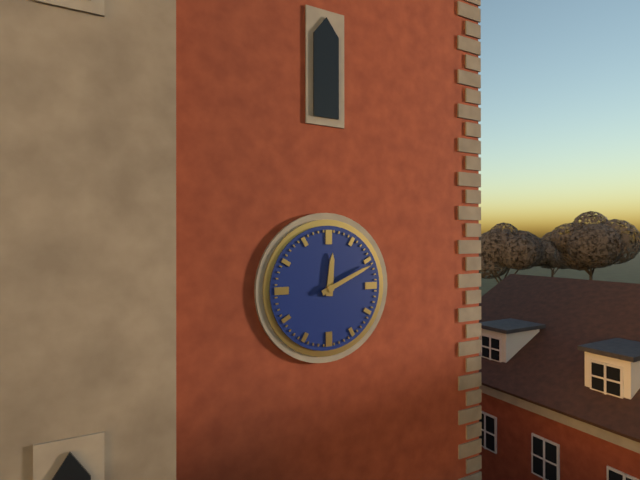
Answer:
12h11
